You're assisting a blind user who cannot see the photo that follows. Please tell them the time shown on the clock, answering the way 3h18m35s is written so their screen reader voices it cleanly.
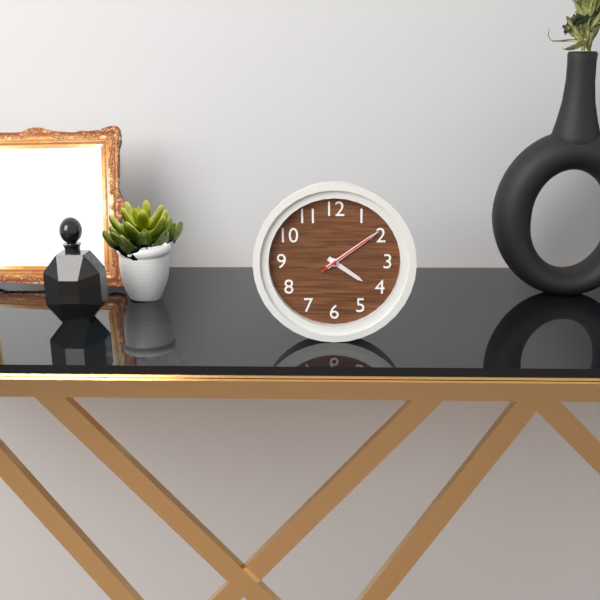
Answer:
4h09m09s
